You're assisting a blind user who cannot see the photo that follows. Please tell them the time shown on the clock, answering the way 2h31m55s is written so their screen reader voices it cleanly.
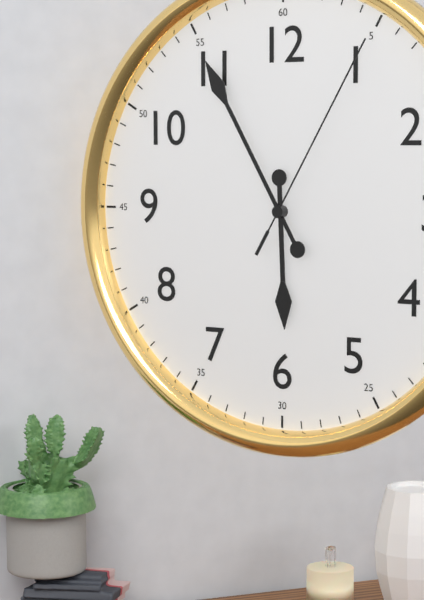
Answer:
5h55m05s
